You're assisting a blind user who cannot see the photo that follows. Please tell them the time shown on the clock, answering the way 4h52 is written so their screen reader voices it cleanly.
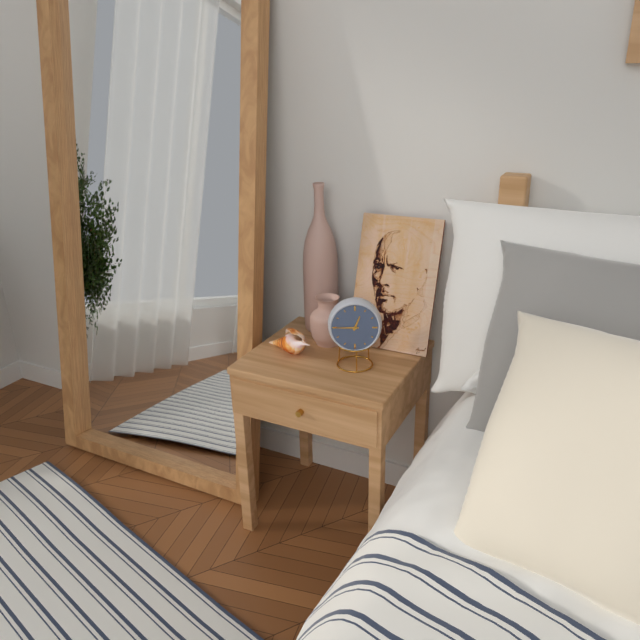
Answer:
12h45
